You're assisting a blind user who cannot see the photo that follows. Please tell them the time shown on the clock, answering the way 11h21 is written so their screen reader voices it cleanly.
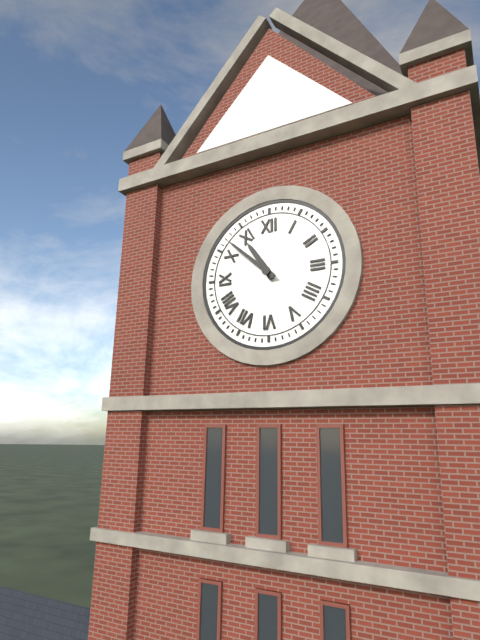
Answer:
10h52
